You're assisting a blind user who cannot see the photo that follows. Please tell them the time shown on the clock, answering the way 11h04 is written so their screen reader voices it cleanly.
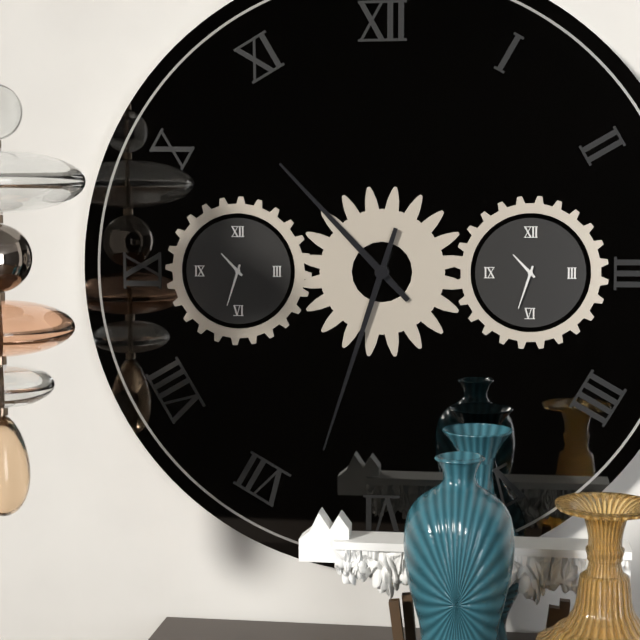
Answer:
10h33
